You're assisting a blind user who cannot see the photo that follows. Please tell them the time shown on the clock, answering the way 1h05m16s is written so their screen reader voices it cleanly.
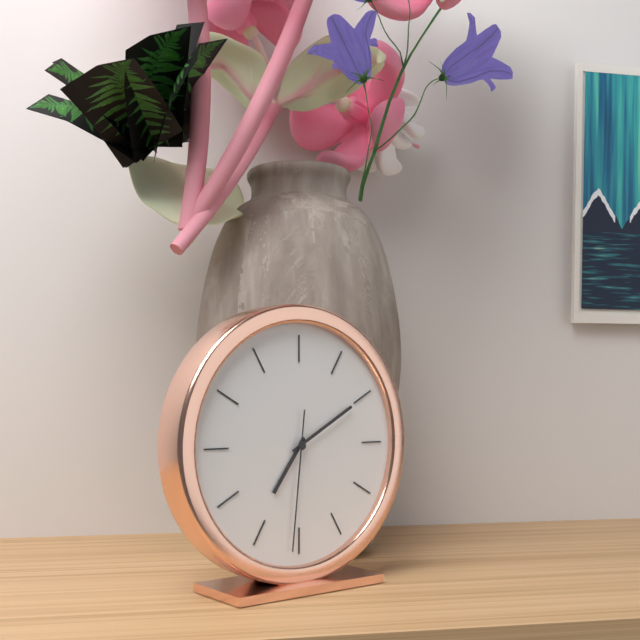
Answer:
7h10m31s
